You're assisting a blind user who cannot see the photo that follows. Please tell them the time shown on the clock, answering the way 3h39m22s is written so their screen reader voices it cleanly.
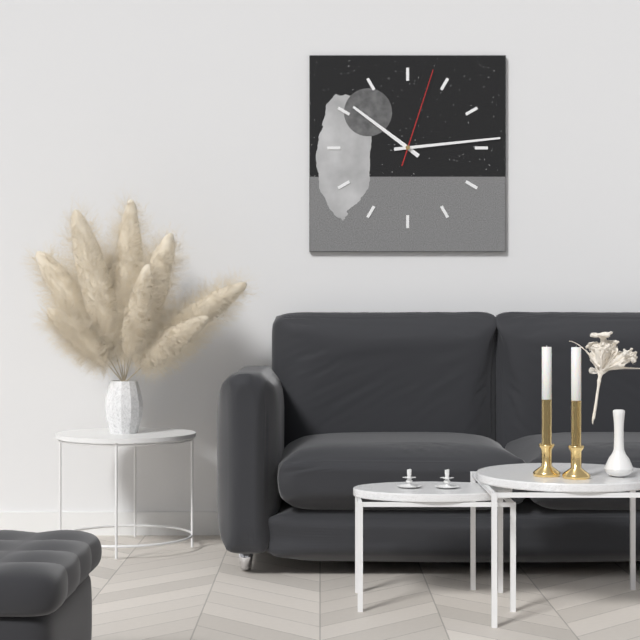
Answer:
10h14m03s
